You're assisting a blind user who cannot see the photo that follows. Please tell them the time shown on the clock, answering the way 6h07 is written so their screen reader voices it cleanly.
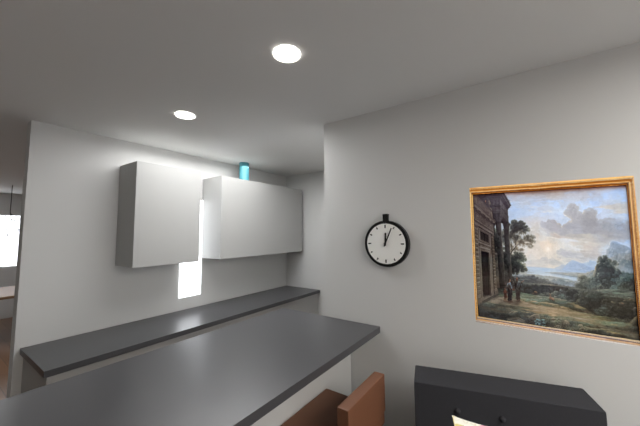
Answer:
12h04
